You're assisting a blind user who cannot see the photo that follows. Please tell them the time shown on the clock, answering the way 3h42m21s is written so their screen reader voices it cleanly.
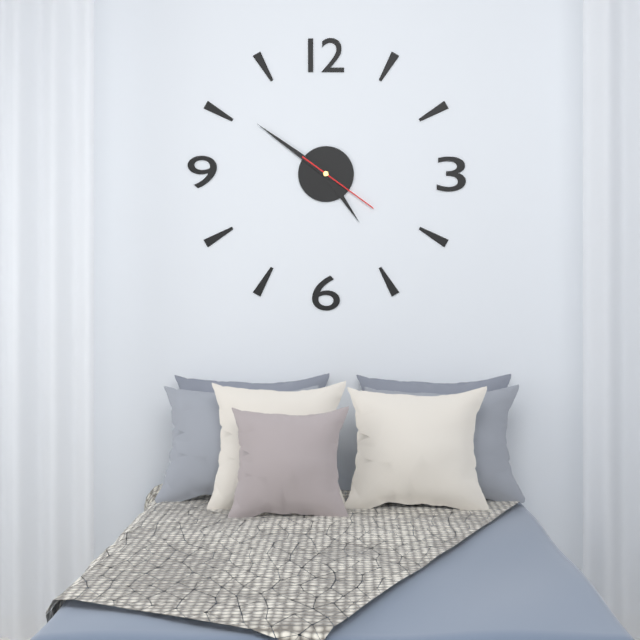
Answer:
4h51m21s
